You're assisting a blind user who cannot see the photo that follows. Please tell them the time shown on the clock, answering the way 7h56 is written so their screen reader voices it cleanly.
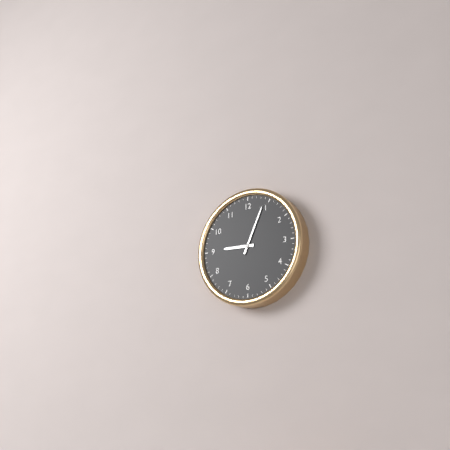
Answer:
9h04
